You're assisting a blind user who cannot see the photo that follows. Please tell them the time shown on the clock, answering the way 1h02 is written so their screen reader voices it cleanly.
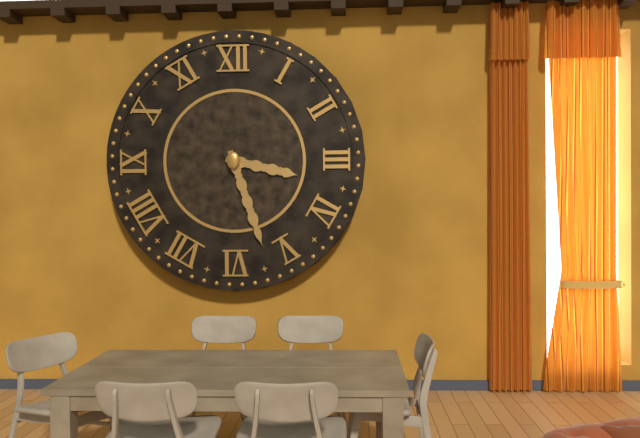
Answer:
3h27
